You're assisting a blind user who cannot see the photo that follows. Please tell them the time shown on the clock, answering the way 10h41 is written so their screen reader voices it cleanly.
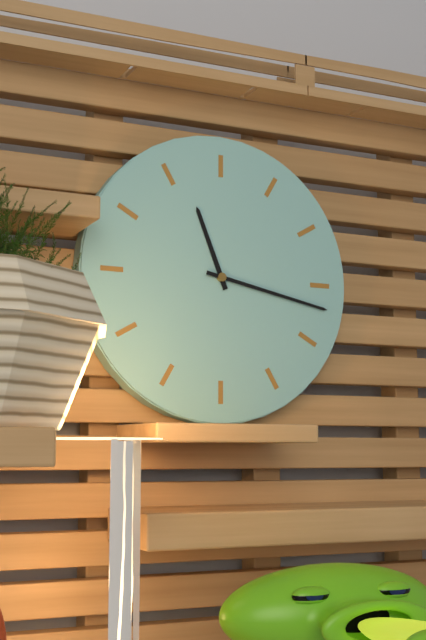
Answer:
11h17
